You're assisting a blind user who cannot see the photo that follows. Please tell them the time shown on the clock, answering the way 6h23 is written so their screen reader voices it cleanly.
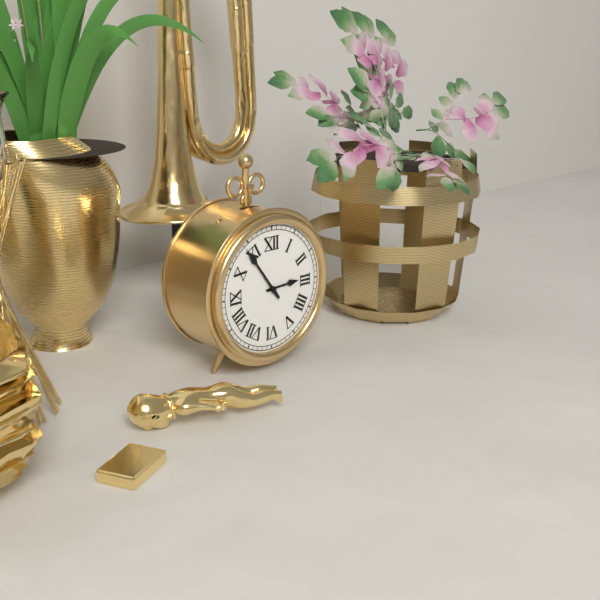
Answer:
2h54
